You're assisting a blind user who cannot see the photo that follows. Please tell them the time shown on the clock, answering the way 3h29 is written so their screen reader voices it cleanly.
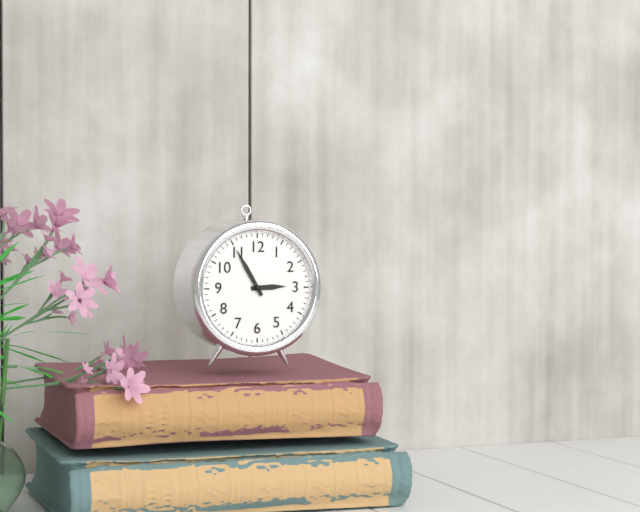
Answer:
2h55
